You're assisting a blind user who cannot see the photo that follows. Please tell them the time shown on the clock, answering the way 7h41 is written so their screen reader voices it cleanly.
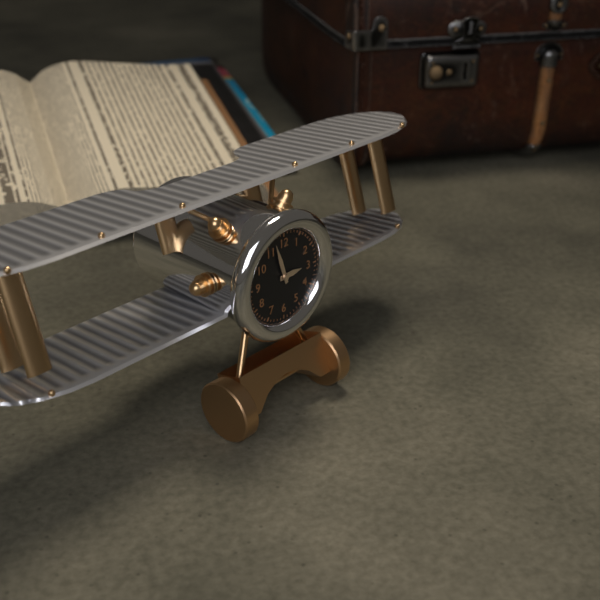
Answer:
2h57
